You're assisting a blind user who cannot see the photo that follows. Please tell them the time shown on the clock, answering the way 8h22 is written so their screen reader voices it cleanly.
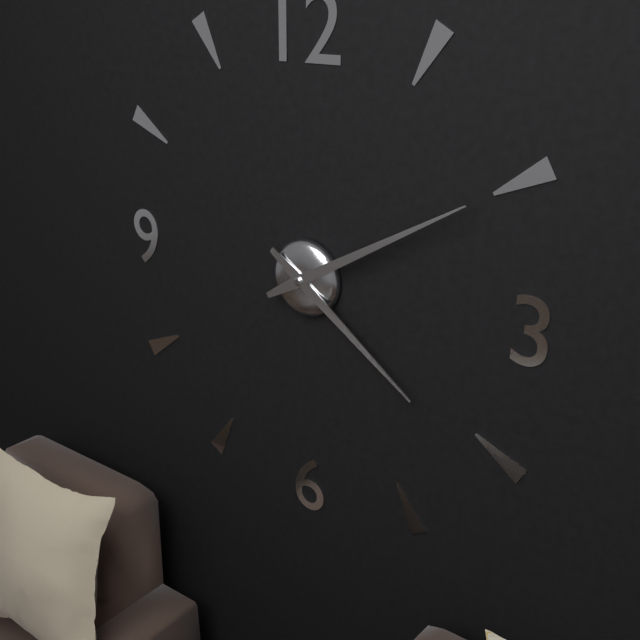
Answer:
4h10
